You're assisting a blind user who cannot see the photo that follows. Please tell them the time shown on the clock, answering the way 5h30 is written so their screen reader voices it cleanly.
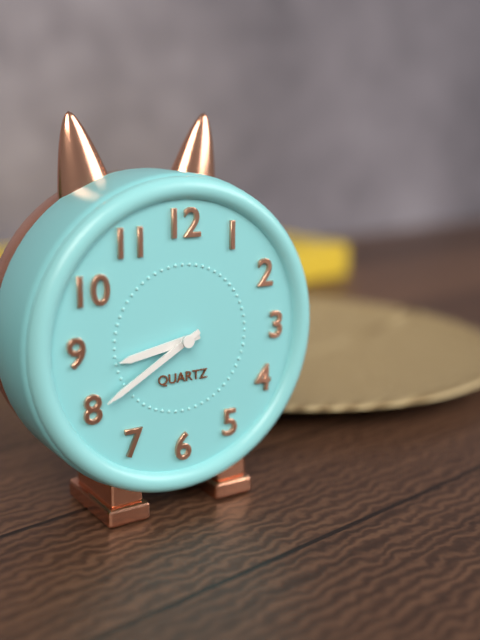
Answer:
8h40
